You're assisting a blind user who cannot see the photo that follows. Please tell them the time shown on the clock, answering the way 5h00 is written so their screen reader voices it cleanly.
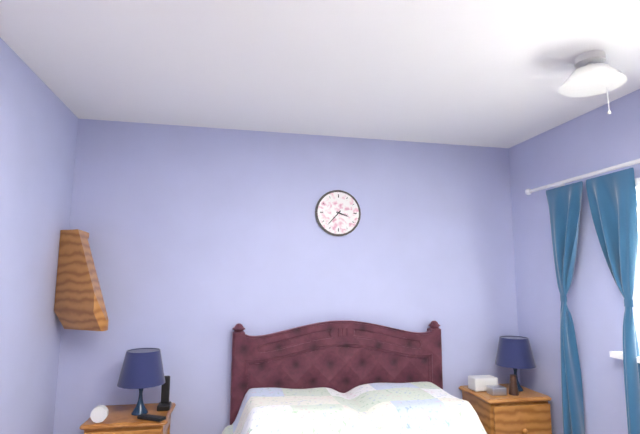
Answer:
3h37
